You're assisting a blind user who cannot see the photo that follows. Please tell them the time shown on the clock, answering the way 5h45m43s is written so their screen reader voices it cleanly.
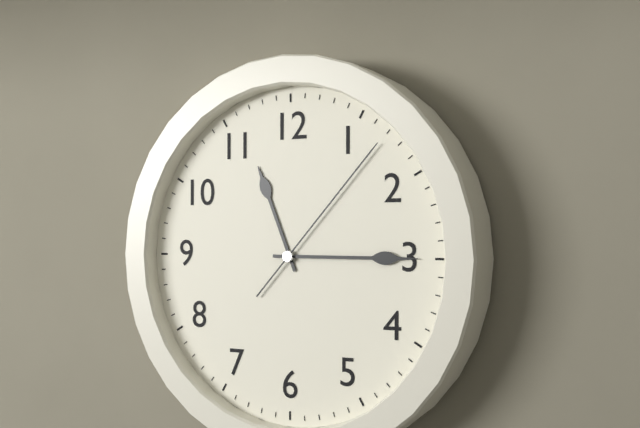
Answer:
11h15m07s
